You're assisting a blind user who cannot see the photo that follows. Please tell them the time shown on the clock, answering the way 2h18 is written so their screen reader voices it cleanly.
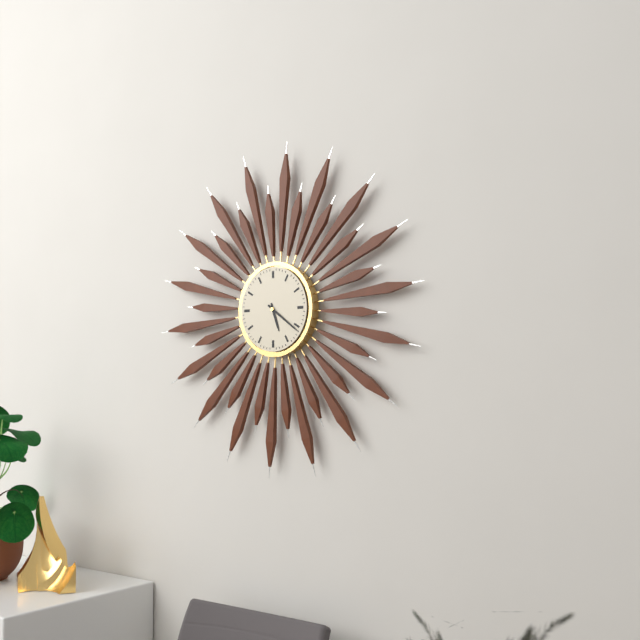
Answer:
5h21
